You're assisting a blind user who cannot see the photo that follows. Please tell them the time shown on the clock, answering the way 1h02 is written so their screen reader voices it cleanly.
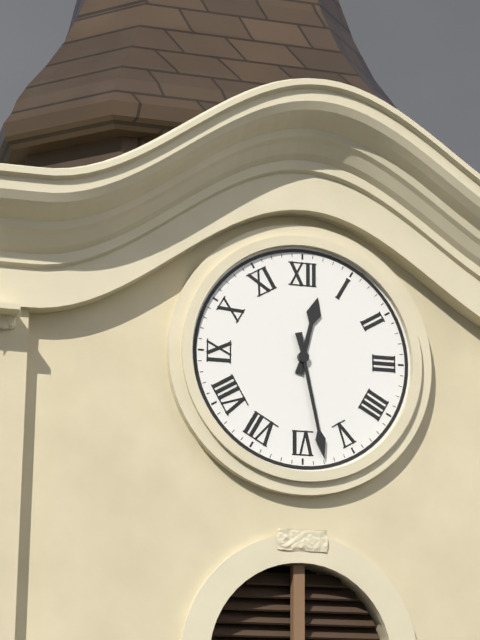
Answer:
12h28
